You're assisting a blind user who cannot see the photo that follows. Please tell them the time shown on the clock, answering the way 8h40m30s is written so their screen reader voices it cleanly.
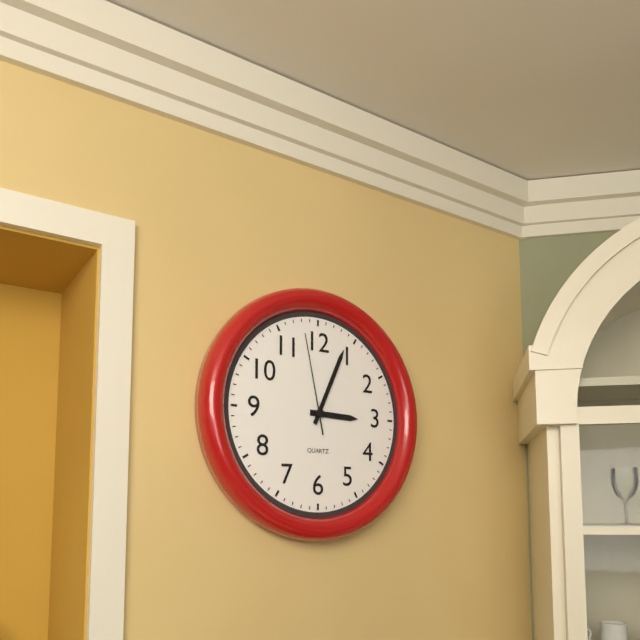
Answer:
3h04m58s
